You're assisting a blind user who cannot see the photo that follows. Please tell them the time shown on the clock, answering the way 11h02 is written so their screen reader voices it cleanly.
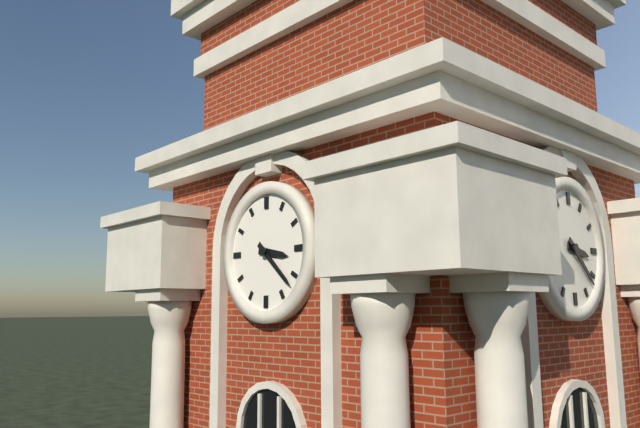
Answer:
3h22
